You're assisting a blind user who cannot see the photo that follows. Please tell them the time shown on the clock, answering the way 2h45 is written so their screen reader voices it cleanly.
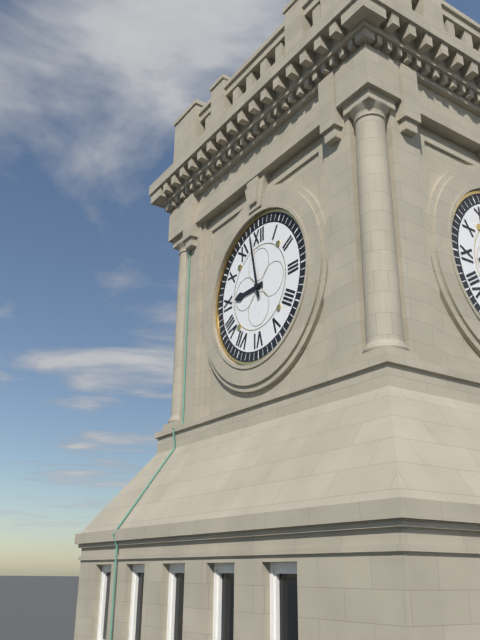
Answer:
8h58
